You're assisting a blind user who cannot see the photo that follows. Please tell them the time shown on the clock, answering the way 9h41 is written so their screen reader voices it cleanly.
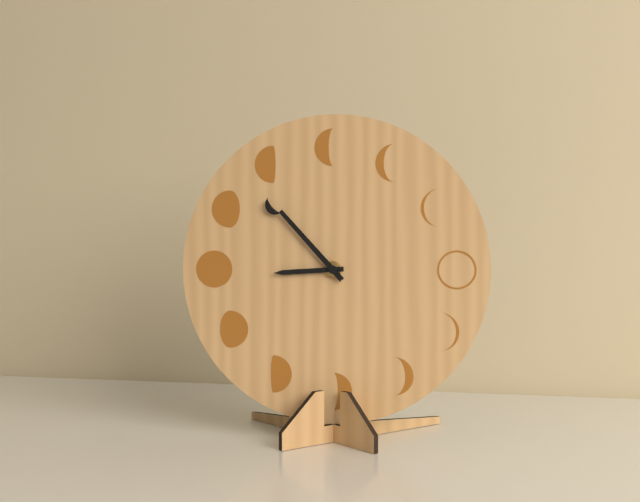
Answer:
8h53
